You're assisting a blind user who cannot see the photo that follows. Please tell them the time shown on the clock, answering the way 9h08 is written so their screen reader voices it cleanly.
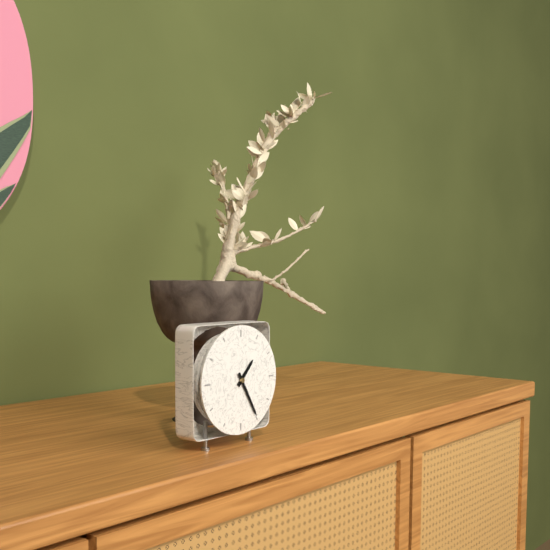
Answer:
1h25
